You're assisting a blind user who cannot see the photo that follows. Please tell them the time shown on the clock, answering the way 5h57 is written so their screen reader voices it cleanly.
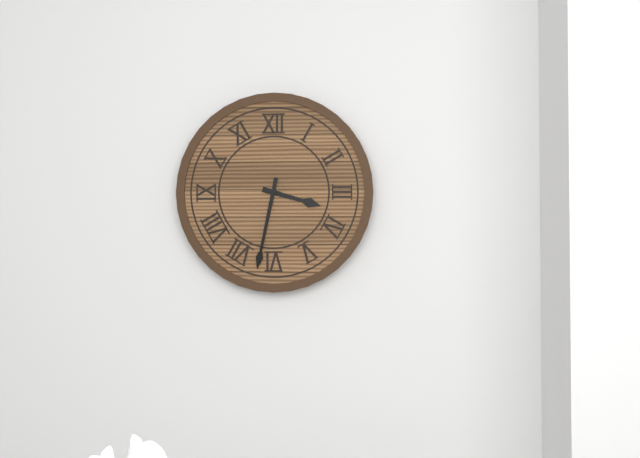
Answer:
3h32
